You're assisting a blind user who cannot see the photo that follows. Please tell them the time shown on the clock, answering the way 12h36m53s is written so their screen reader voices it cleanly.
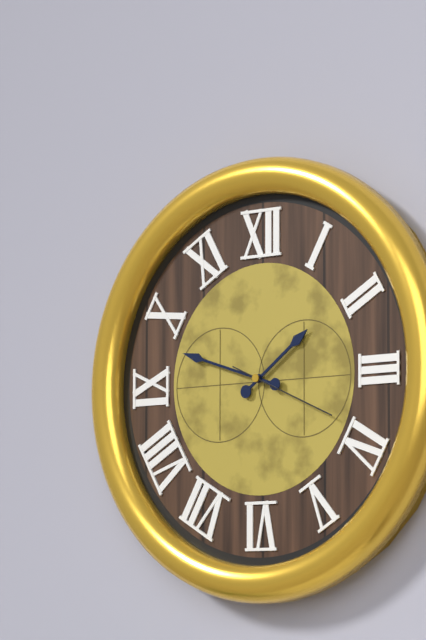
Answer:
1h48m19s
